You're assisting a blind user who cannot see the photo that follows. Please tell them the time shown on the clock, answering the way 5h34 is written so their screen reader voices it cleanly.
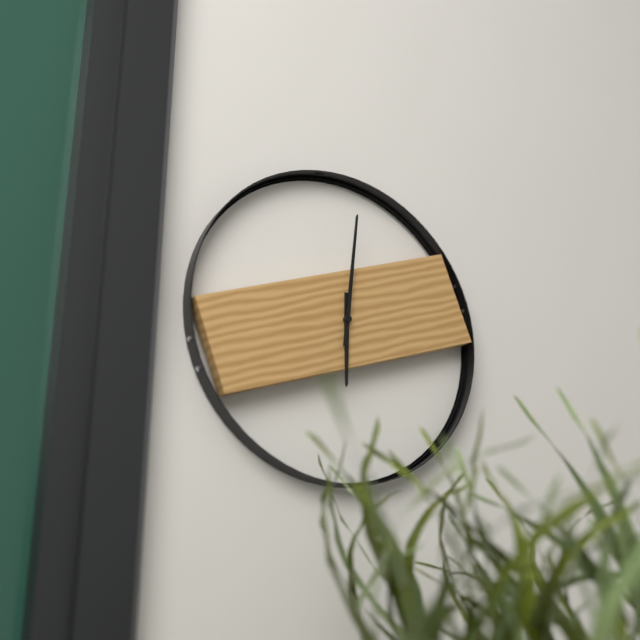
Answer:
6h01
